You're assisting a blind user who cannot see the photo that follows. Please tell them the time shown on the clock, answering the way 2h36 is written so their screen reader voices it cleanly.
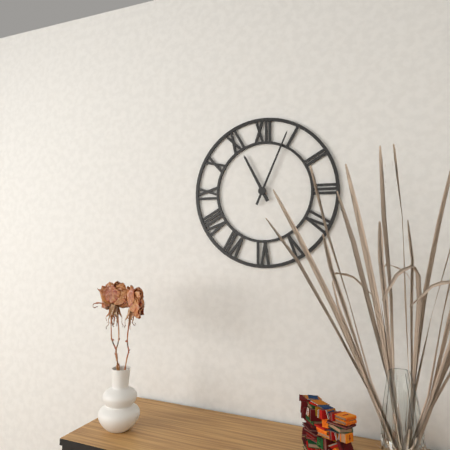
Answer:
11h04
